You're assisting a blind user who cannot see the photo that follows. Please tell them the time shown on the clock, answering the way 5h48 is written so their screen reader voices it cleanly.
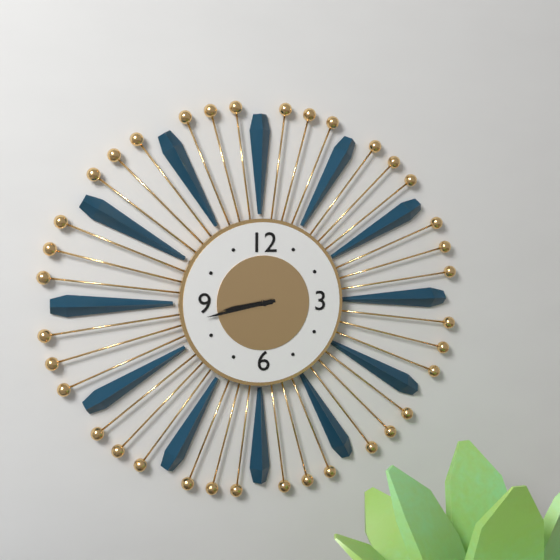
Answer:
8h43
